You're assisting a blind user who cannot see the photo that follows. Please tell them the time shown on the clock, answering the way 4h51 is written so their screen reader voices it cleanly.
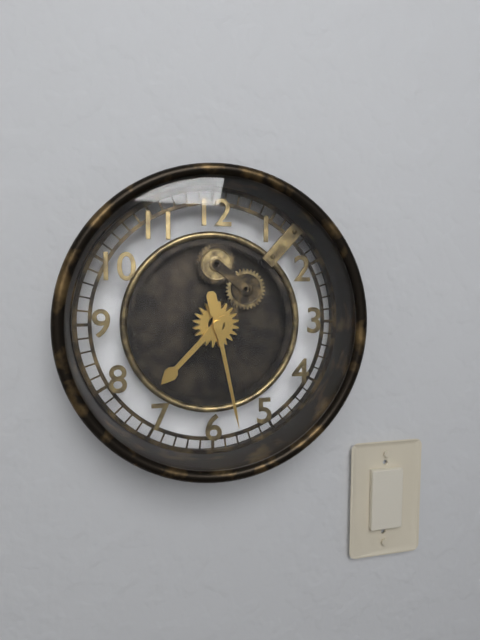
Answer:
7h28
